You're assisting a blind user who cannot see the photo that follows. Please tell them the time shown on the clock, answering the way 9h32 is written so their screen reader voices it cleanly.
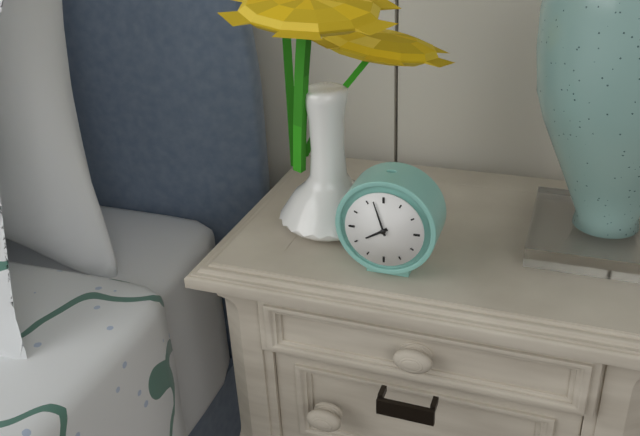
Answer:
7h57
